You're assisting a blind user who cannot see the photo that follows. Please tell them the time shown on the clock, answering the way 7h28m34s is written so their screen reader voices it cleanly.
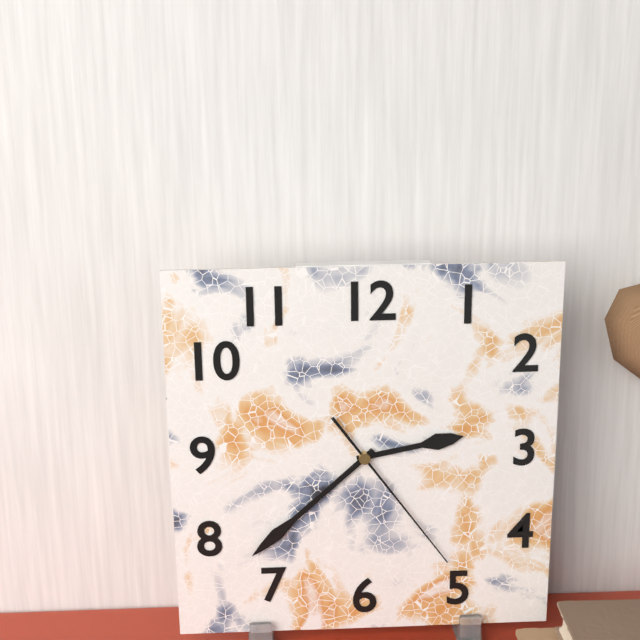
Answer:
2h38m24s
